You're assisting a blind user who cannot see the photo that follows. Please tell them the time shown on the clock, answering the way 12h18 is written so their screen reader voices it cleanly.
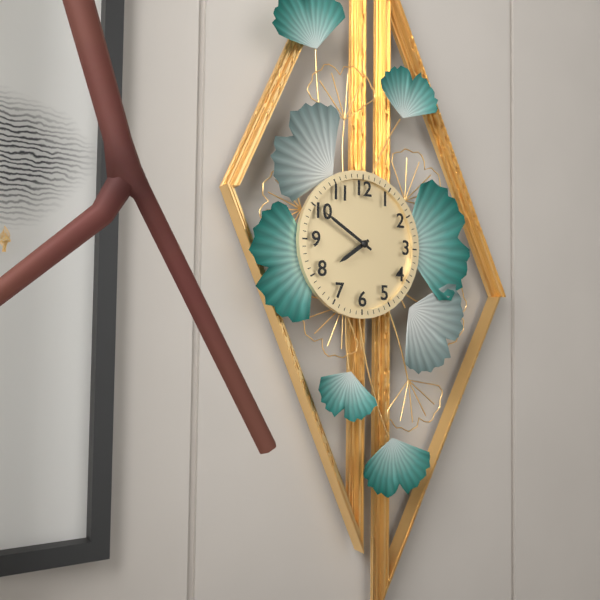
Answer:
7h50
